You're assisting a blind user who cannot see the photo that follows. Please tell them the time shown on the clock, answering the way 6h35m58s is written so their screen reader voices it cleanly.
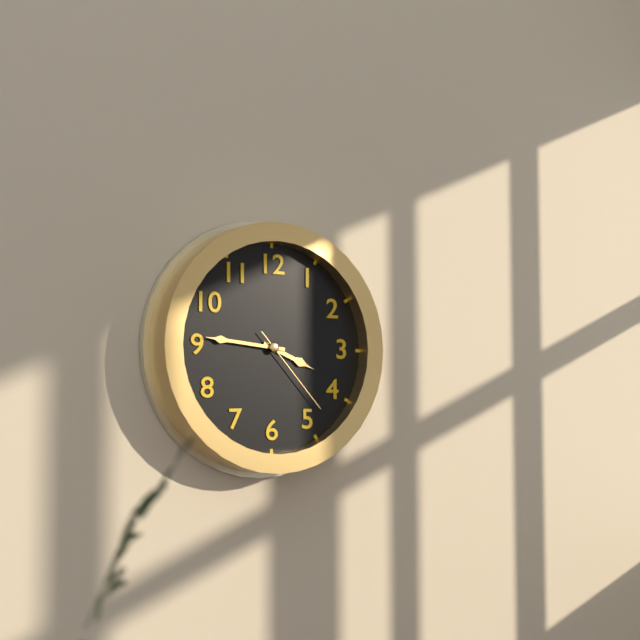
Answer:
3h46m23s
